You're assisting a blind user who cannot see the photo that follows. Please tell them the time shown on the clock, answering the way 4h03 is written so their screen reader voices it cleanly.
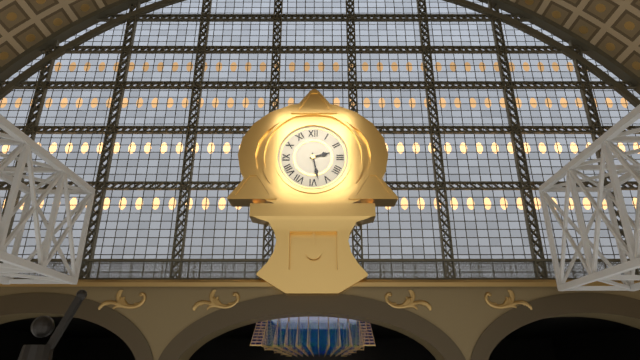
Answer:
2h28
